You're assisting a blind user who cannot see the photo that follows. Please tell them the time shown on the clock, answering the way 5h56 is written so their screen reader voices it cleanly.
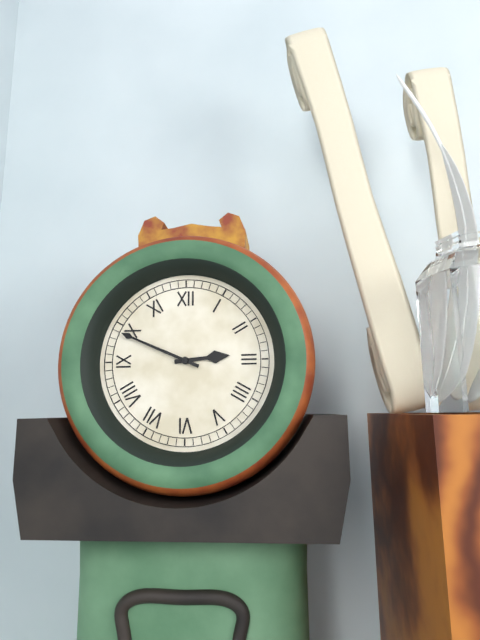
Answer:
2h49
